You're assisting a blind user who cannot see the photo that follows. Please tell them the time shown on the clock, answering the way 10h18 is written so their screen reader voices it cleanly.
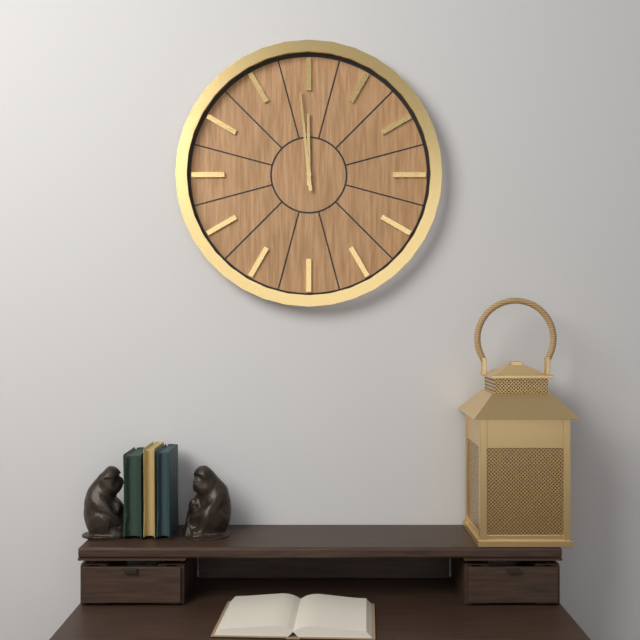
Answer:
11h59
